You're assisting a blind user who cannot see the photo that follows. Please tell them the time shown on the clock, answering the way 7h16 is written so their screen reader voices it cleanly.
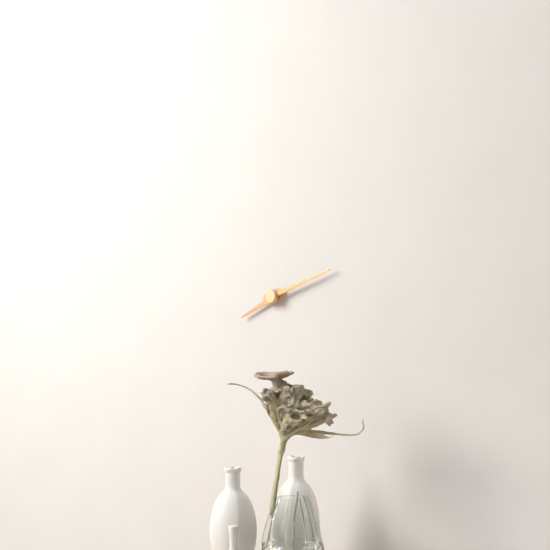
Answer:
8h12
